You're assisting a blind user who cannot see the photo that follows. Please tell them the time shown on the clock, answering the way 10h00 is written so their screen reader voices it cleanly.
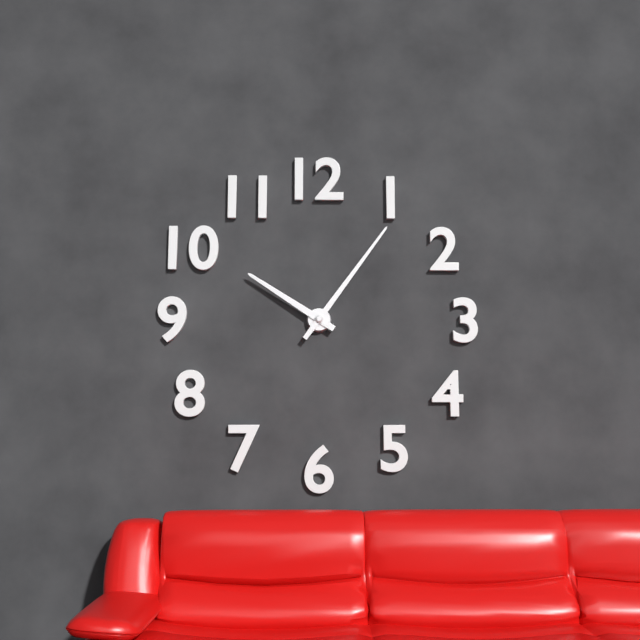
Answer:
10h06
